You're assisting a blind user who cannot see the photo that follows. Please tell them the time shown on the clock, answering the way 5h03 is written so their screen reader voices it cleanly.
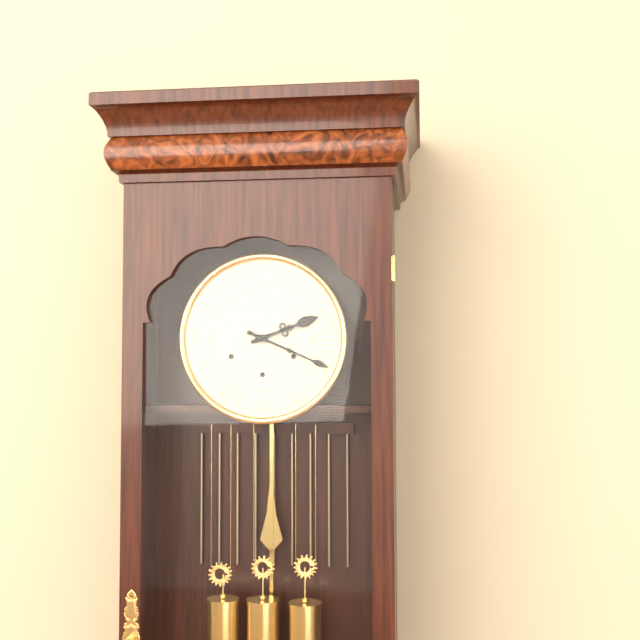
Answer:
2h19
